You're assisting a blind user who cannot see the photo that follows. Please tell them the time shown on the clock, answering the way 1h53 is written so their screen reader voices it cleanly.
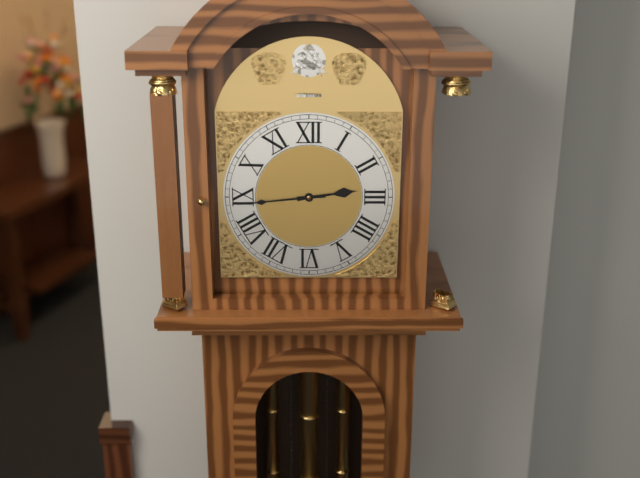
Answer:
2h44
